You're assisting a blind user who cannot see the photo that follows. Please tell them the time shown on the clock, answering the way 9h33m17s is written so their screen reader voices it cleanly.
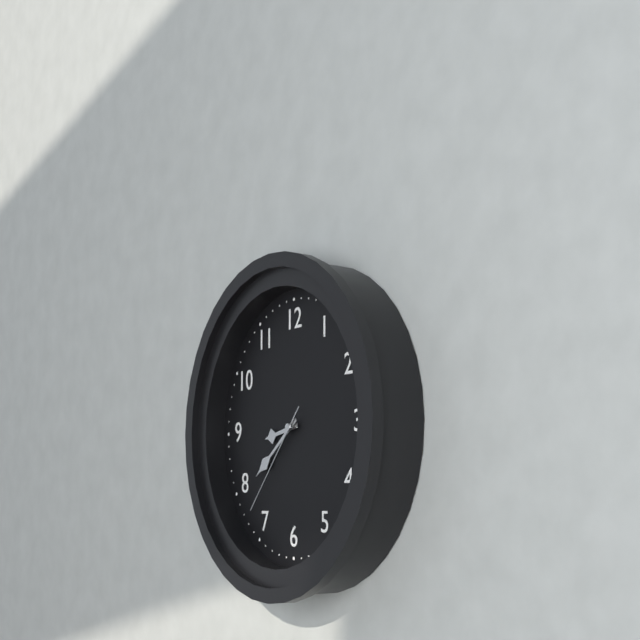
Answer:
8h39m37s
